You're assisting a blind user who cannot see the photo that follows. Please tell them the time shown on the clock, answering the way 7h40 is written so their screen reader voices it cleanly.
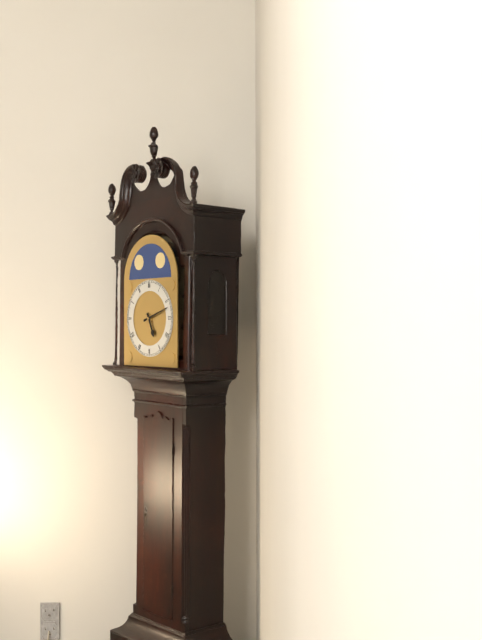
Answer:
5h12
